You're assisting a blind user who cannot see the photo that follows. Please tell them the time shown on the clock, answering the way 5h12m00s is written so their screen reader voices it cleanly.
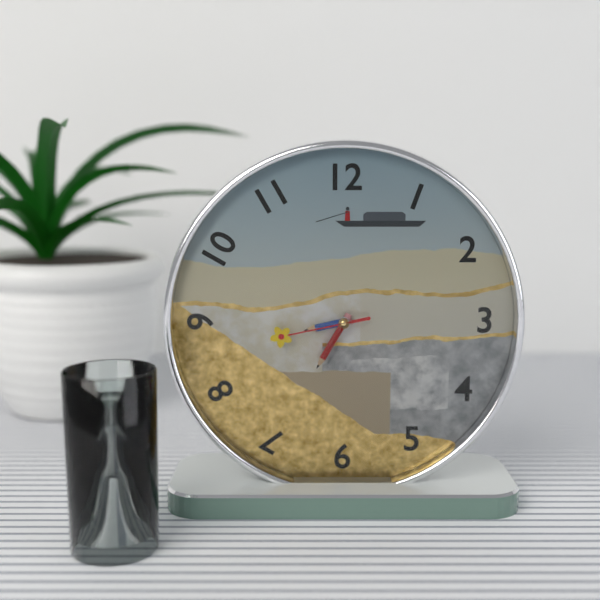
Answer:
8h35m43s
